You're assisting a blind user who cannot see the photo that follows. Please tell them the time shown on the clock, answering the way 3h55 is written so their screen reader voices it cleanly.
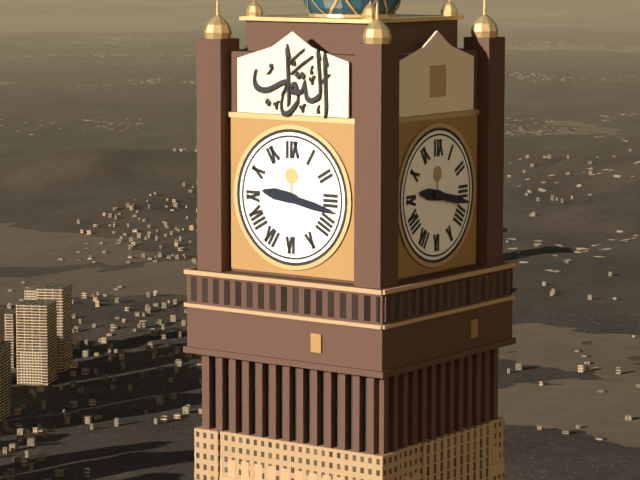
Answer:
9h17
